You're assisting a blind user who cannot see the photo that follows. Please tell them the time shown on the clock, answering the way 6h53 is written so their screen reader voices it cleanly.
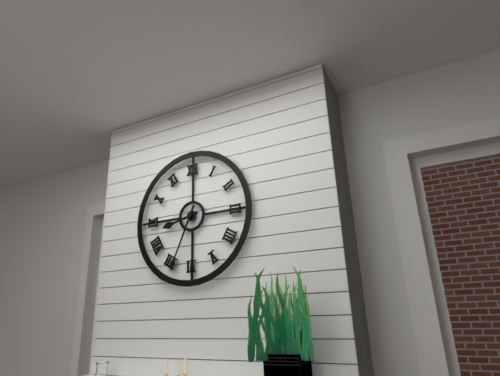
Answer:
8h34
